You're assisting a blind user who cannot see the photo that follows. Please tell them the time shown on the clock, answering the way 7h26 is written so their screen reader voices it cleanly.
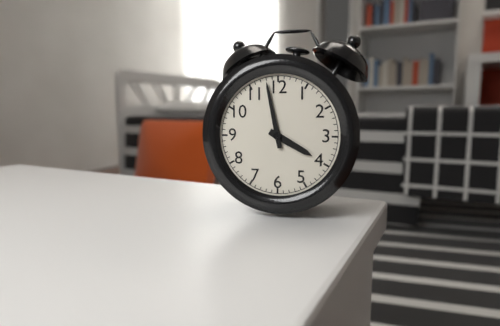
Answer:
3h58
